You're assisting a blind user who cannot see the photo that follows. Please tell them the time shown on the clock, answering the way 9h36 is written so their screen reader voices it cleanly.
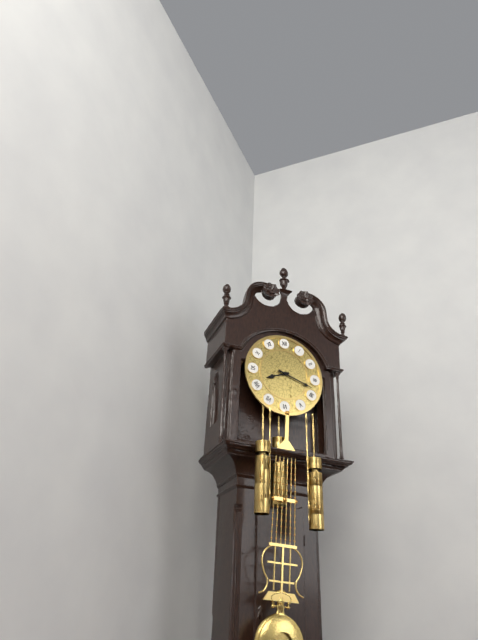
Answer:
8h18
